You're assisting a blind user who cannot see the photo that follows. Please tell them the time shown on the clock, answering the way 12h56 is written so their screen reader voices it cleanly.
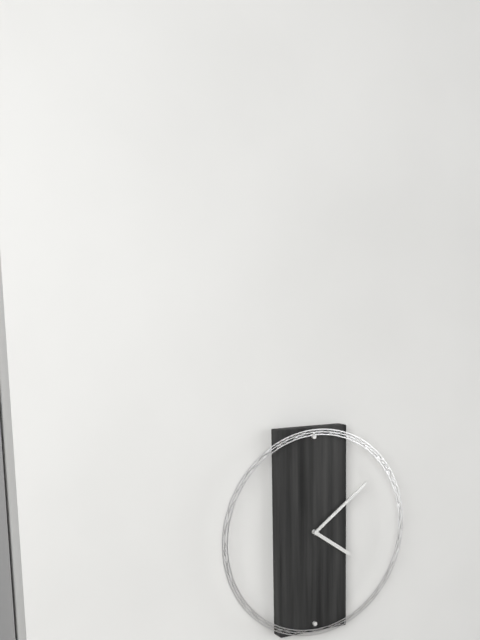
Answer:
4h09
